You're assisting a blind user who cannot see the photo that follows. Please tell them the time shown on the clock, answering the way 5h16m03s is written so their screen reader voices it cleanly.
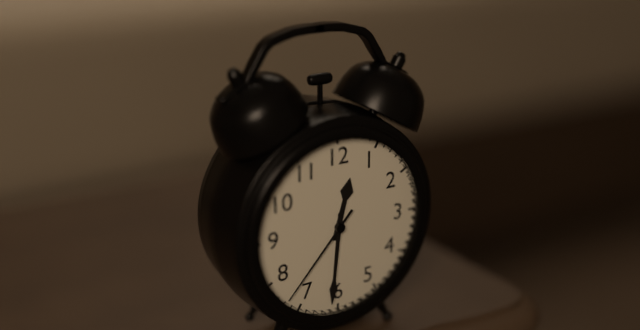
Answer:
12h31m37s
